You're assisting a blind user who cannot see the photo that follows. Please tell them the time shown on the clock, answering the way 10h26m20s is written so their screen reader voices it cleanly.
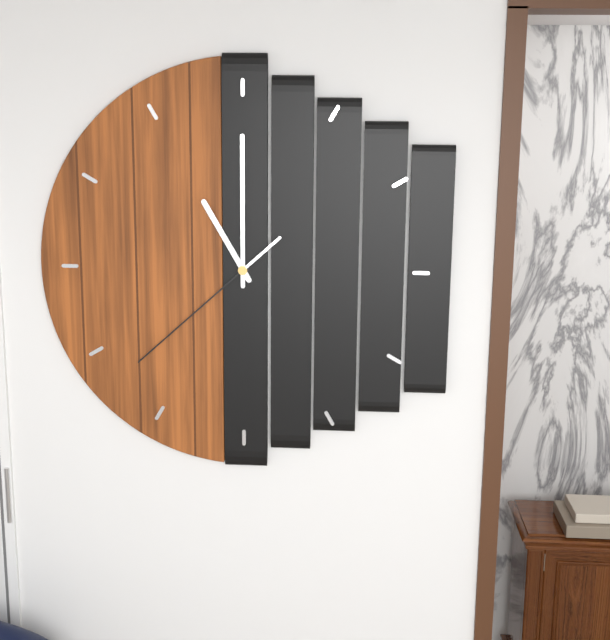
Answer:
11h00m38s
